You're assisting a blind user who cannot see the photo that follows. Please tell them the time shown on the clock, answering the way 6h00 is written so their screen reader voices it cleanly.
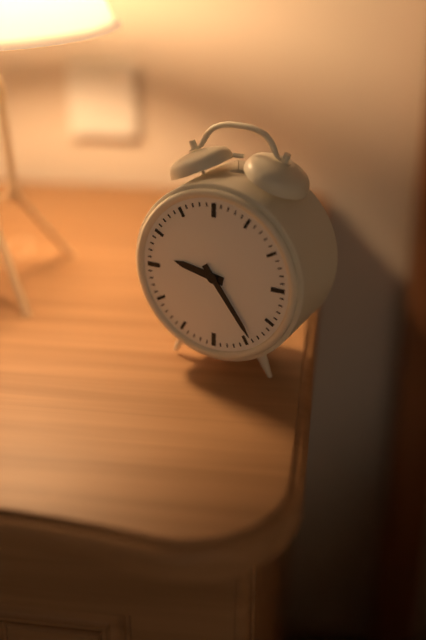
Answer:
9h24
